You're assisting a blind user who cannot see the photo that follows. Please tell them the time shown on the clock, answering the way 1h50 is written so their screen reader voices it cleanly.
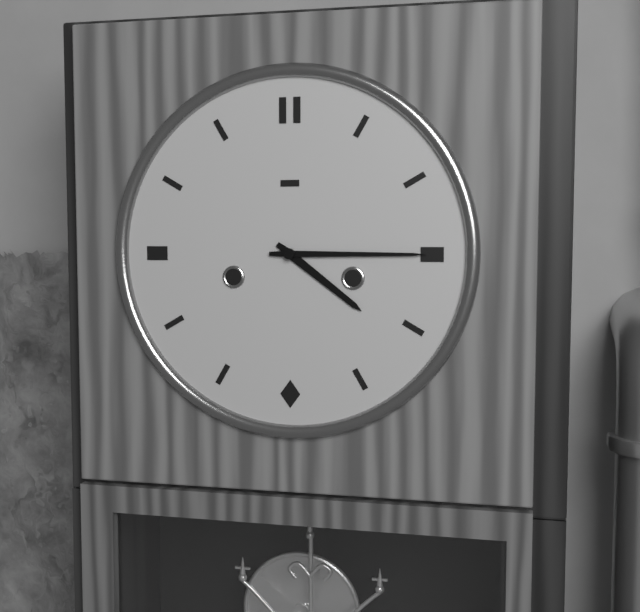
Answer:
4h15
